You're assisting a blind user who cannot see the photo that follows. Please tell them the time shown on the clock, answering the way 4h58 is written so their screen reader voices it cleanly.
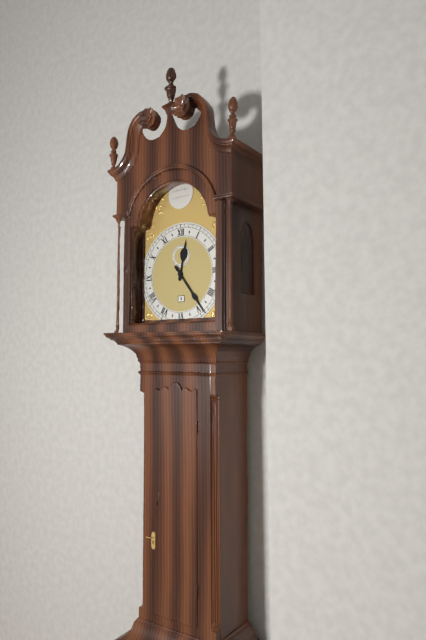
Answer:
12h24
